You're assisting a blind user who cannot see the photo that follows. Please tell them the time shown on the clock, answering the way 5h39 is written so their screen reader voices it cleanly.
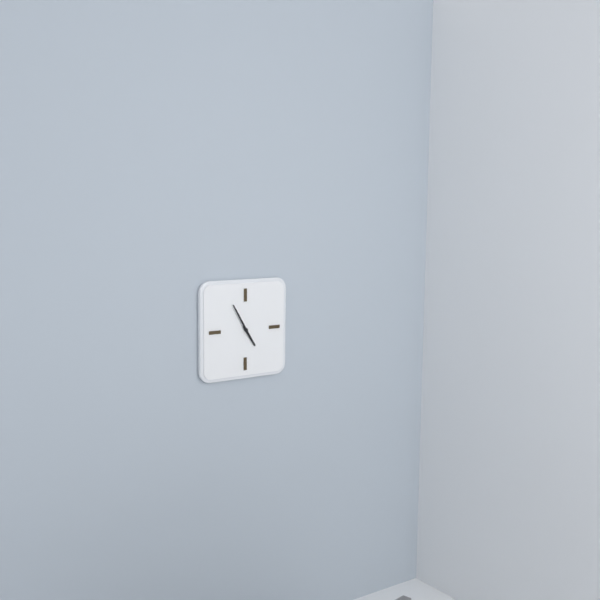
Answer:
4h55
